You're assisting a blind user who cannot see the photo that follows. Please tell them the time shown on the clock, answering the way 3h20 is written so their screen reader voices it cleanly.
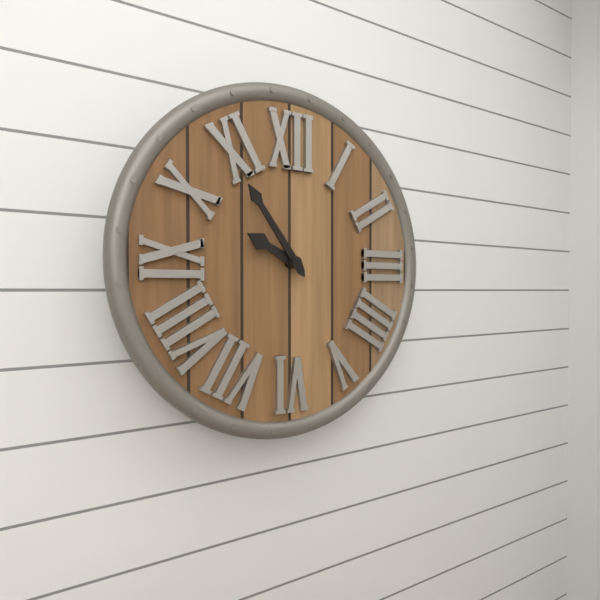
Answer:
9h54
